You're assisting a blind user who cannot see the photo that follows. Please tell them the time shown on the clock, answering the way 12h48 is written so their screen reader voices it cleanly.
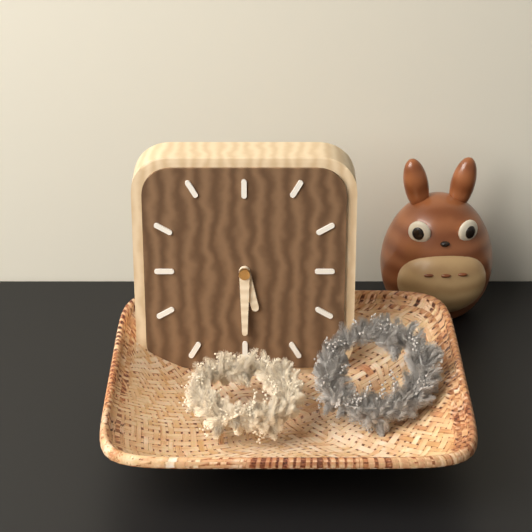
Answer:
5h30
